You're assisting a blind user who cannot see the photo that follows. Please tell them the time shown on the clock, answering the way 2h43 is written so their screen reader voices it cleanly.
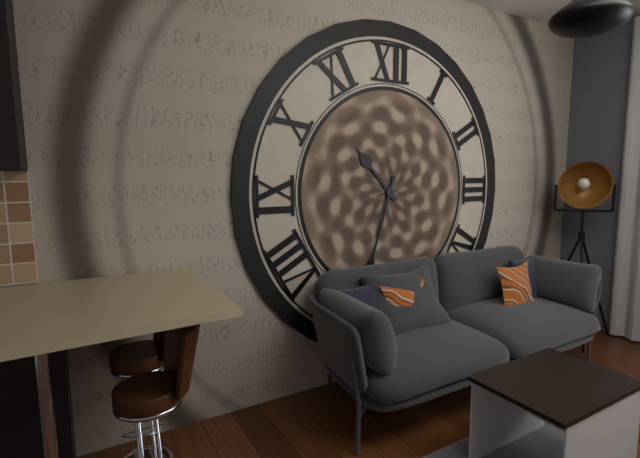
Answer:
10h33
